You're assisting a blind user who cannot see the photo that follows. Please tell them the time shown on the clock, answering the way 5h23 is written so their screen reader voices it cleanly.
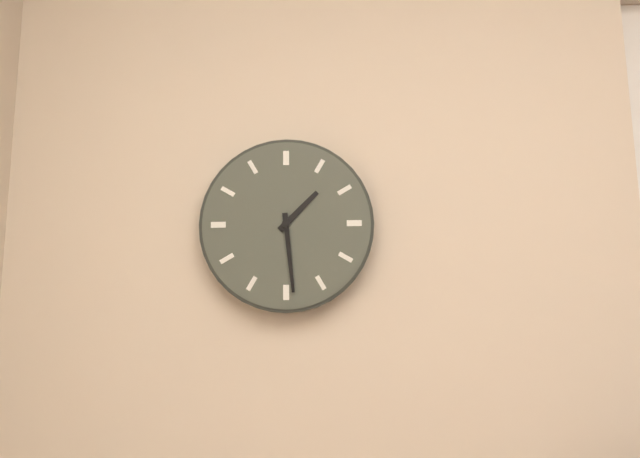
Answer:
1h29
